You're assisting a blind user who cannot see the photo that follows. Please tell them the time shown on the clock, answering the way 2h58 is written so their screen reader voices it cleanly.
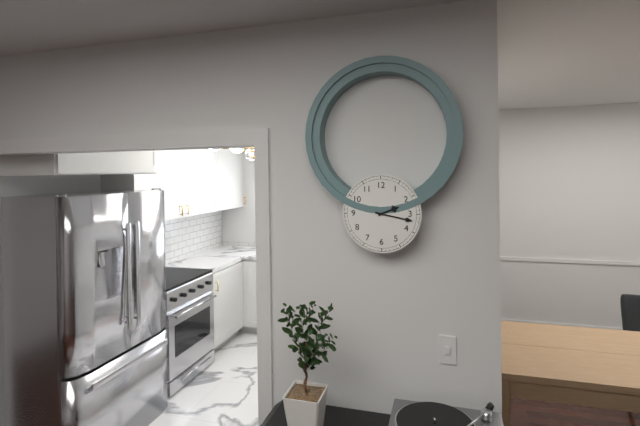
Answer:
2h17
